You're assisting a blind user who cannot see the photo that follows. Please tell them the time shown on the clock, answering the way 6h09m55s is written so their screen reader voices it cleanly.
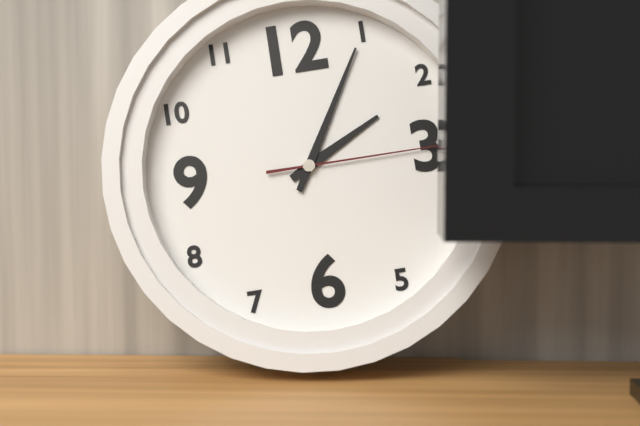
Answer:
2h05m15s
